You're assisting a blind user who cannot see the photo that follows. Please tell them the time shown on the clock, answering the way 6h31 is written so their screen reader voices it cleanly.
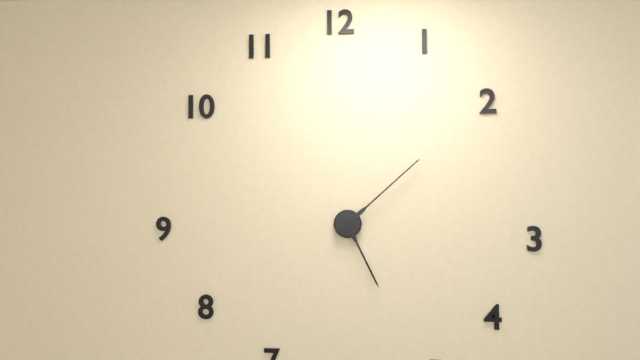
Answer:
5h08
